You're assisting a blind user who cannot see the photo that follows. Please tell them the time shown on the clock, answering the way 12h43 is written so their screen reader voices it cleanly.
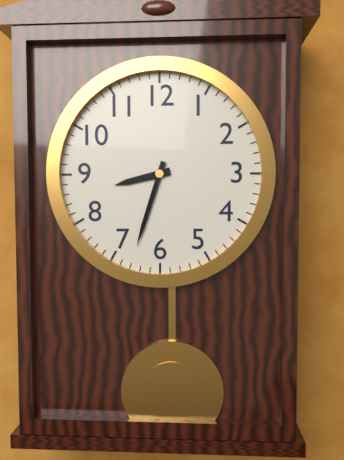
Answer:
8h33
